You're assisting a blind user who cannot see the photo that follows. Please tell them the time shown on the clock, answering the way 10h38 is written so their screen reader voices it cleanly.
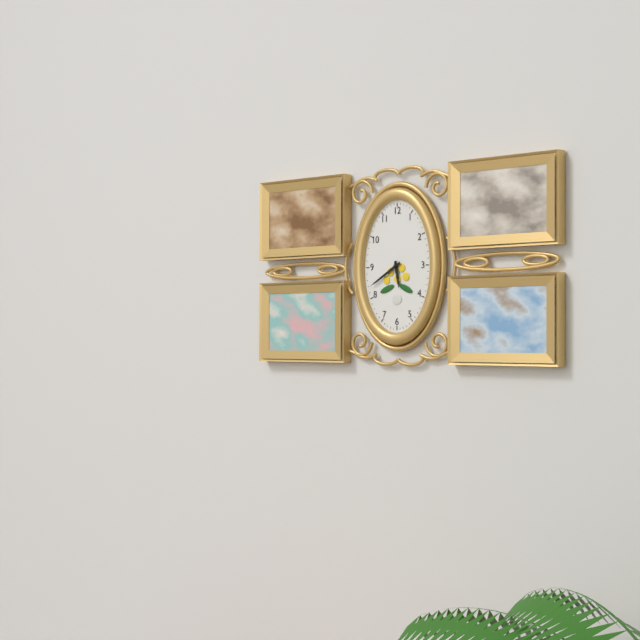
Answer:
5h40
